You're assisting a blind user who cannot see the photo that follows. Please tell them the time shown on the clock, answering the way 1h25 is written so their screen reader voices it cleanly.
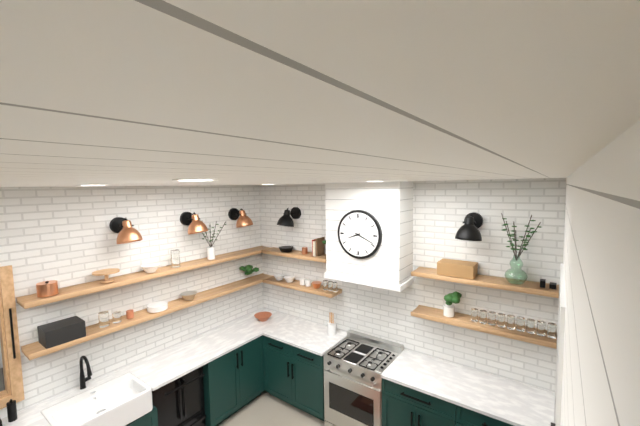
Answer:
8h19
